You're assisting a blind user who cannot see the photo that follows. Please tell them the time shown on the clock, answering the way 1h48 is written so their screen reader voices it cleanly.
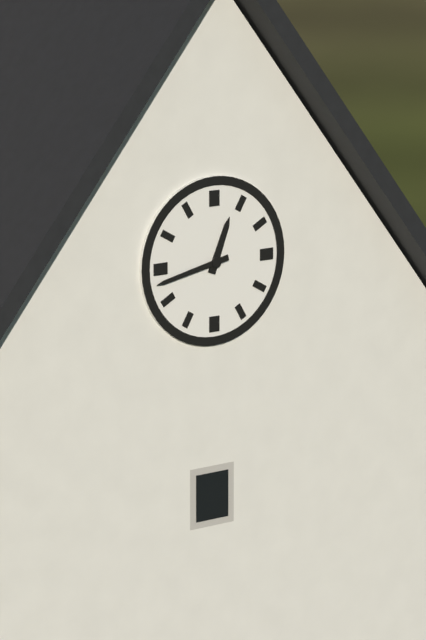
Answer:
12h43
